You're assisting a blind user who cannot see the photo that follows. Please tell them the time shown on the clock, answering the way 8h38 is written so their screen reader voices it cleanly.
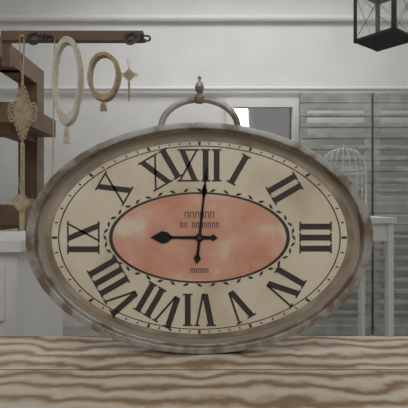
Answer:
9h01
